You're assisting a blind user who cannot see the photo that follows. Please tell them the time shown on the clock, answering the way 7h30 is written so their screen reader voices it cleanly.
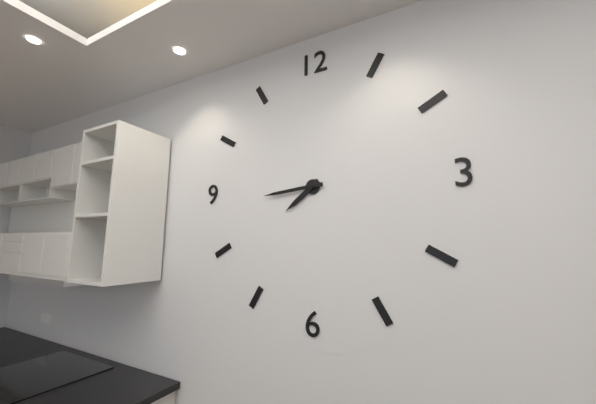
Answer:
7h44
